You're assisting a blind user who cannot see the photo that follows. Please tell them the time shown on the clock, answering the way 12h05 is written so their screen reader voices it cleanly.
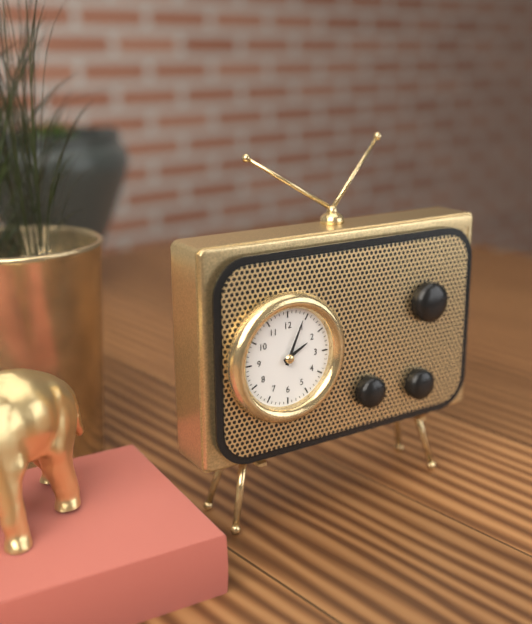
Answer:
2h04
